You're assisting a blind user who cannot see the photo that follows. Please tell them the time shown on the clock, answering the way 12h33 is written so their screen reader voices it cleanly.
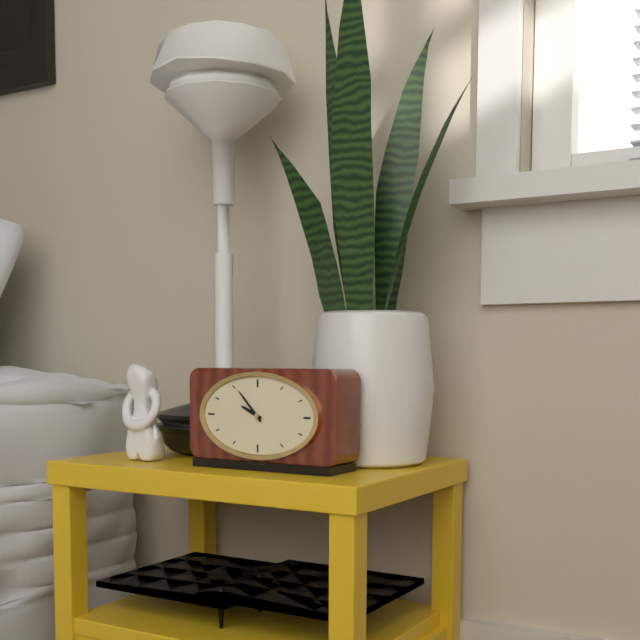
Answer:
9h53
